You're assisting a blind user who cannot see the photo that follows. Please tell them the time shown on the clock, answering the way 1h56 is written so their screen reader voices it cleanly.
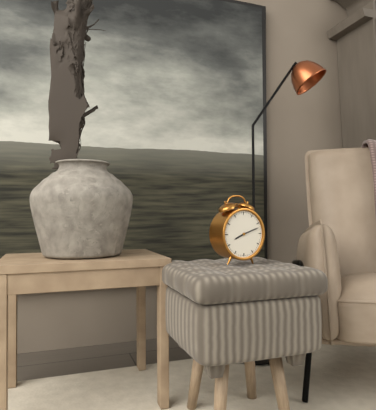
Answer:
8h12
